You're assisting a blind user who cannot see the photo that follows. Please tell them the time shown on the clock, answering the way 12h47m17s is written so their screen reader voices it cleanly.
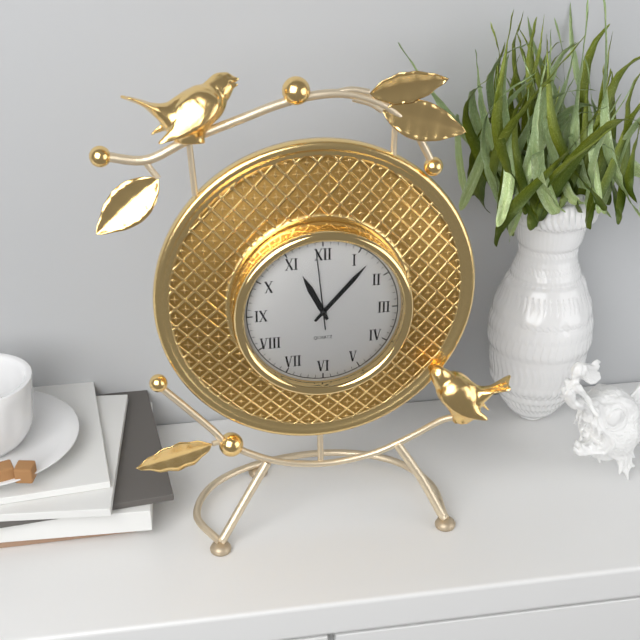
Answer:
11h07m59s
